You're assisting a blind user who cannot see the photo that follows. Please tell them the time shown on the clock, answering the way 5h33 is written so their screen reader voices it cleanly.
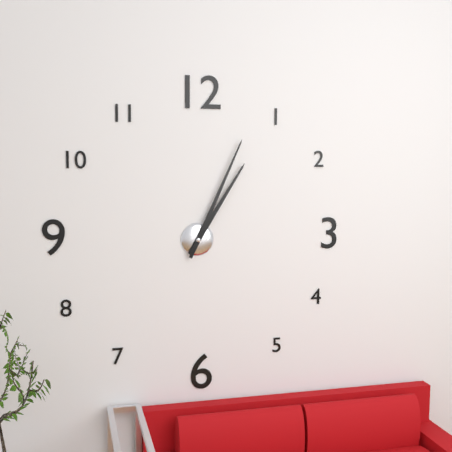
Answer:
1h04
